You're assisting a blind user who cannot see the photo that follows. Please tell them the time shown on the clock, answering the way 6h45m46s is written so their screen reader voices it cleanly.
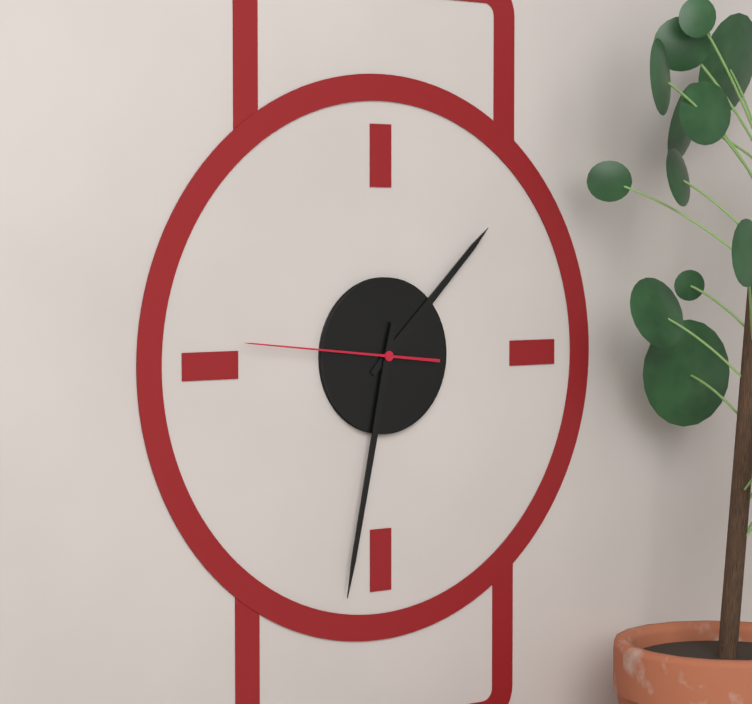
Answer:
1h32m46s
